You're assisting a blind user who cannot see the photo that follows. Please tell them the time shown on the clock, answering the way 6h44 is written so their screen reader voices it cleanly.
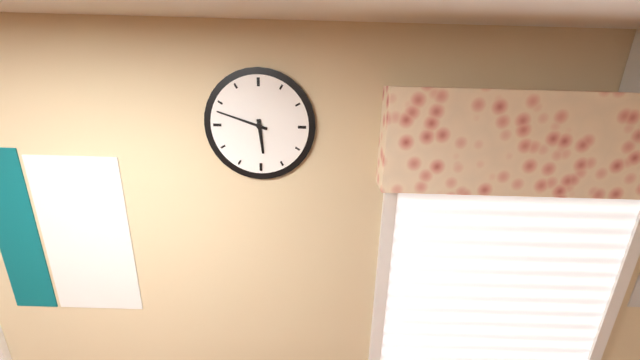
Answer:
5h48
